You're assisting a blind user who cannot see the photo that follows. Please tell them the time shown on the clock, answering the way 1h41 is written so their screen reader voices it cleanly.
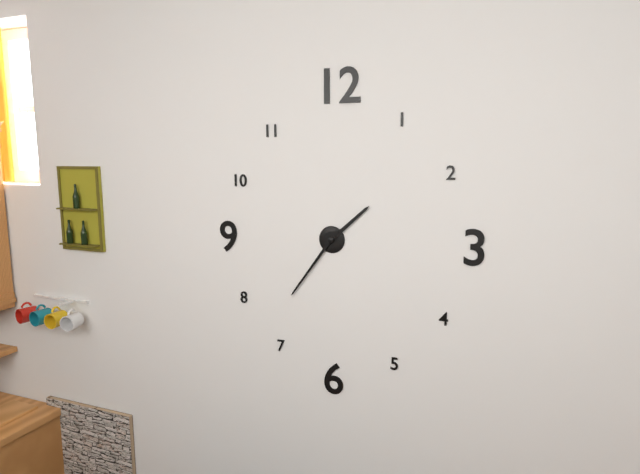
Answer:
1h36
